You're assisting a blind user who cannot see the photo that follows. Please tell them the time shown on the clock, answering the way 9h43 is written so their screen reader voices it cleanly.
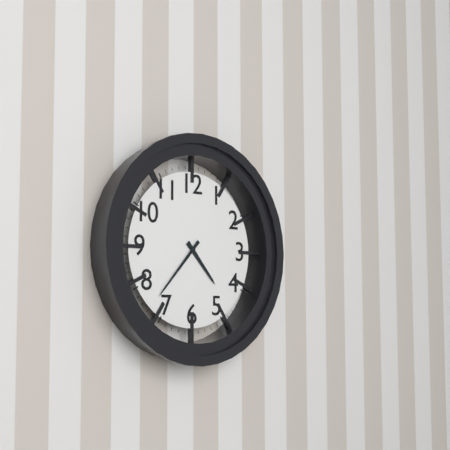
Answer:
4h37
